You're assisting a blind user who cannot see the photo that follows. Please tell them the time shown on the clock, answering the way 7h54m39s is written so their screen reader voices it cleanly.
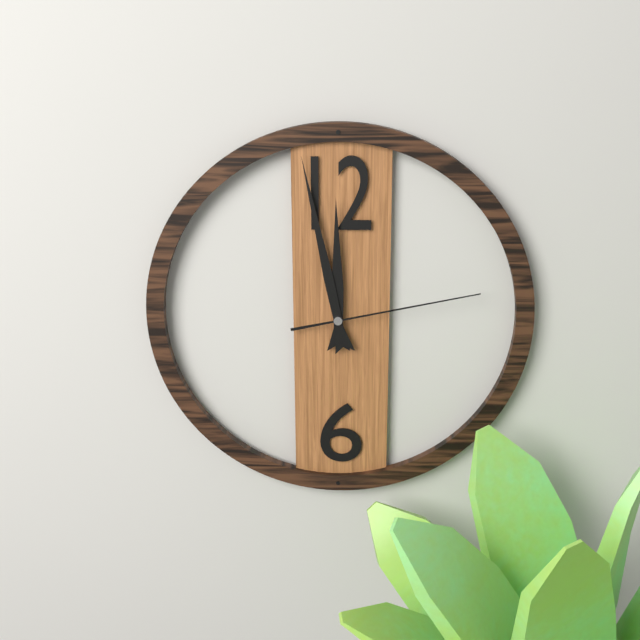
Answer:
11h58m13s
